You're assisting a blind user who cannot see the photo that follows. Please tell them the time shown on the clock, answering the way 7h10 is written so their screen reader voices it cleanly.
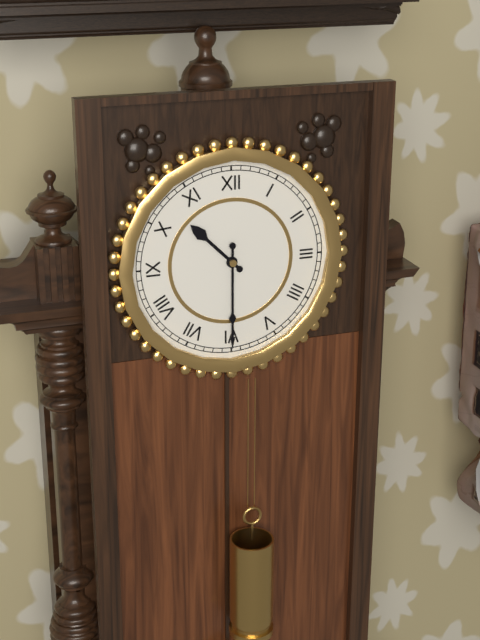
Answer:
10h30
